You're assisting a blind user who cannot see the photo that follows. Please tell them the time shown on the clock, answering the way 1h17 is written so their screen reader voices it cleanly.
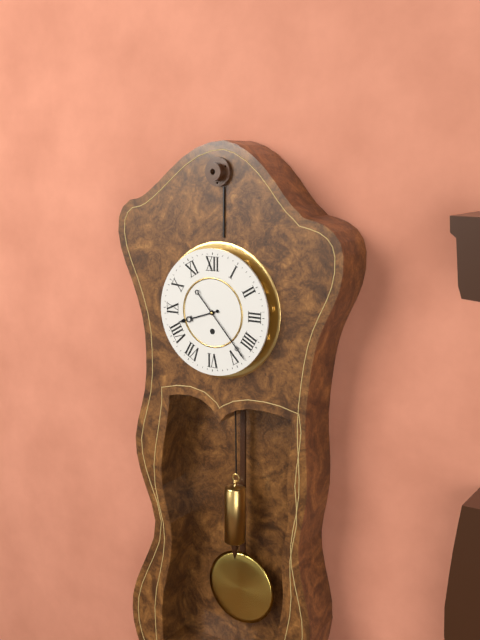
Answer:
8h23
